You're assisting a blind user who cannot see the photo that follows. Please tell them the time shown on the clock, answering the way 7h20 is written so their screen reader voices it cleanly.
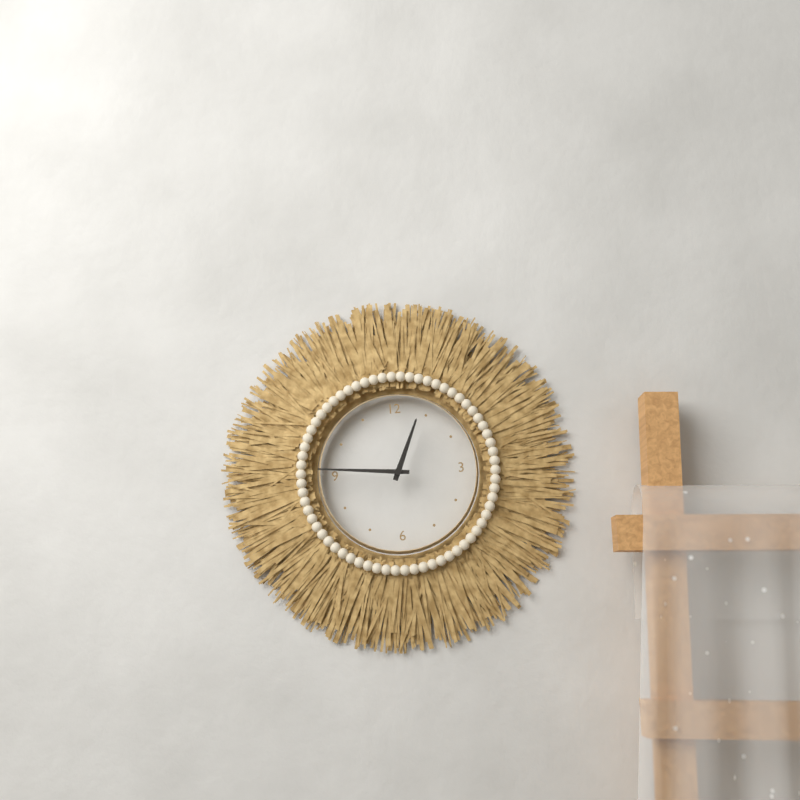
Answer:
12h46
